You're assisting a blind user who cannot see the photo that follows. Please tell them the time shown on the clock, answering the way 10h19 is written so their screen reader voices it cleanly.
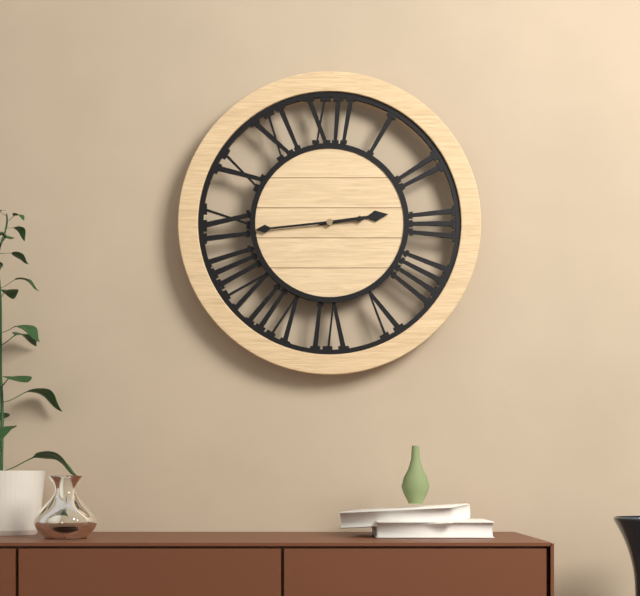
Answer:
2h44
